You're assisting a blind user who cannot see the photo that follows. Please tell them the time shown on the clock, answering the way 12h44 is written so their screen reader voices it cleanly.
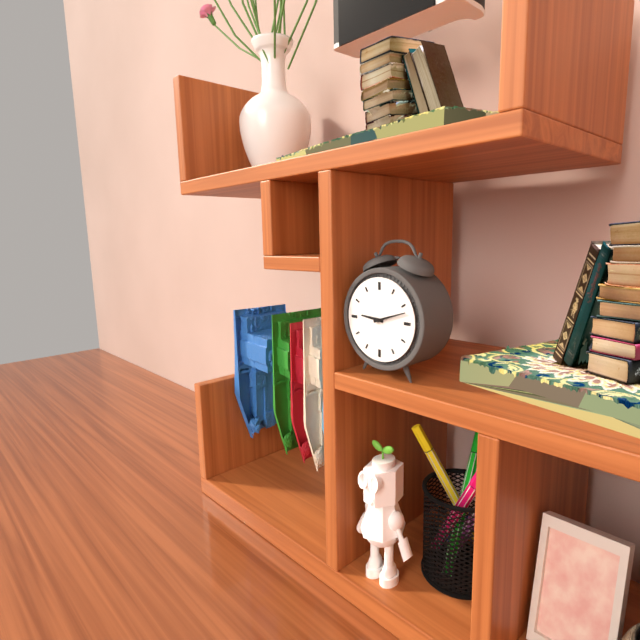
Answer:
9h12
